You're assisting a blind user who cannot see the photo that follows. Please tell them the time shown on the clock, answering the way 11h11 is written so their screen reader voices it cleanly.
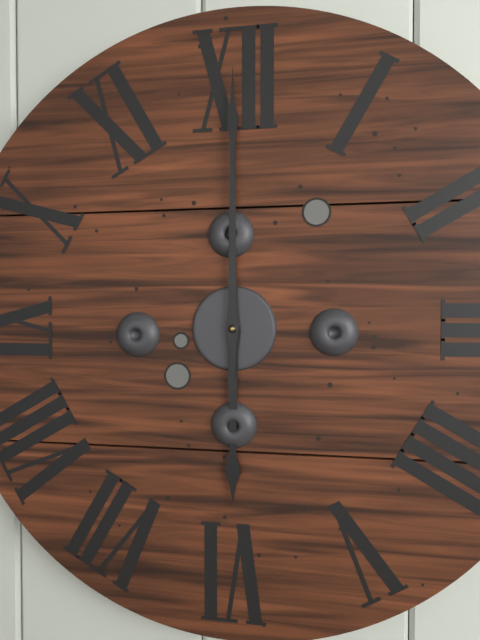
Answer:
6h00
